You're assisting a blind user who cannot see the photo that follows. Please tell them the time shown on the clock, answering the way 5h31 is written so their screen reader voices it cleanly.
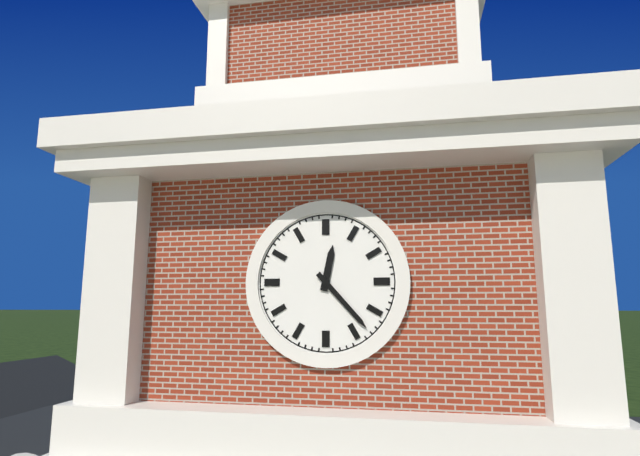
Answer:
12h23
